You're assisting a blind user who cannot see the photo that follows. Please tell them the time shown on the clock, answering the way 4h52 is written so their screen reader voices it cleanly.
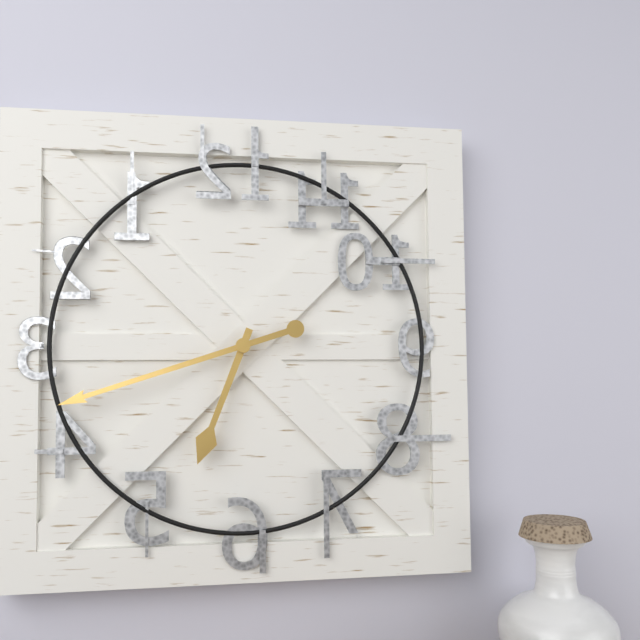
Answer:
6h42
